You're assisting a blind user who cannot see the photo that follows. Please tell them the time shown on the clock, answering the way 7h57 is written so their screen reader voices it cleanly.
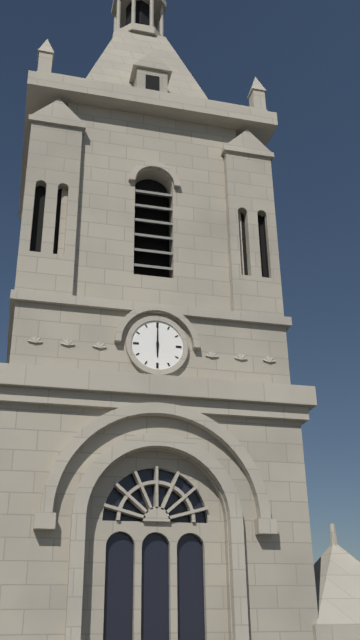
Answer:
6h00
